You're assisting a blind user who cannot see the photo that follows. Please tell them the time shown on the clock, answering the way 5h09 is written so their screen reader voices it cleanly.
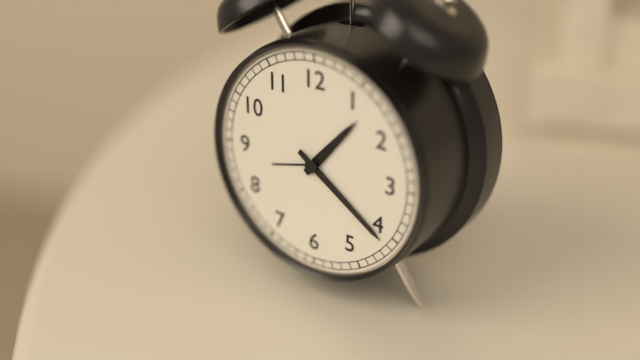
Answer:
1h21
